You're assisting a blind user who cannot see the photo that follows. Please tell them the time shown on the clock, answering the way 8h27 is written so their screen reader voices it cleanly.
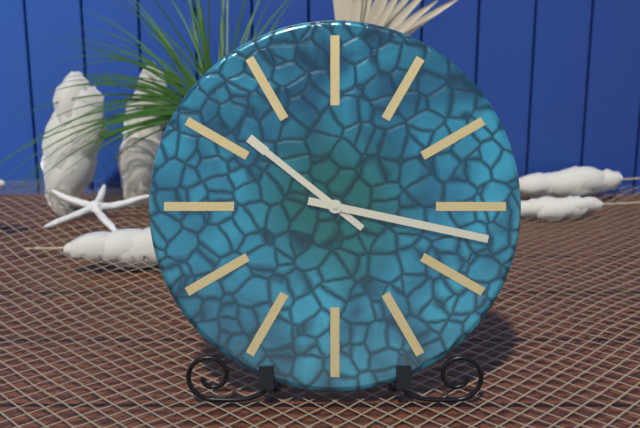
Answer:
10h17
